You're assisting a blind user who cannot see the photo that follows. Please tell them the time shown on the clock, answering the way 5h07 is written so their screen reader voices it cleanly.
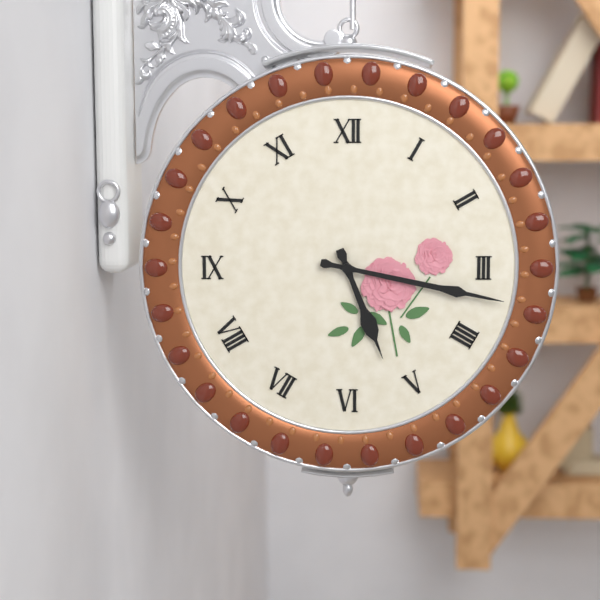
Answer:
5h17
